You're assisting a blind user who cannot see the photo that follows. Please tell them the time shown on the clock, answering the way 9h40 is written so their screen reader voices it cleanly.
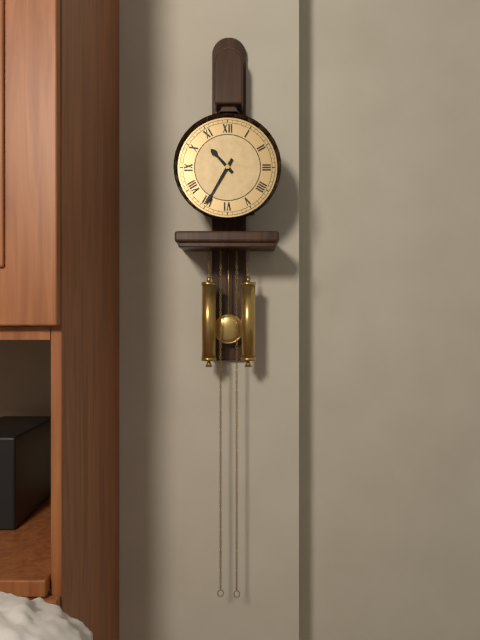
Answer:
10h35
